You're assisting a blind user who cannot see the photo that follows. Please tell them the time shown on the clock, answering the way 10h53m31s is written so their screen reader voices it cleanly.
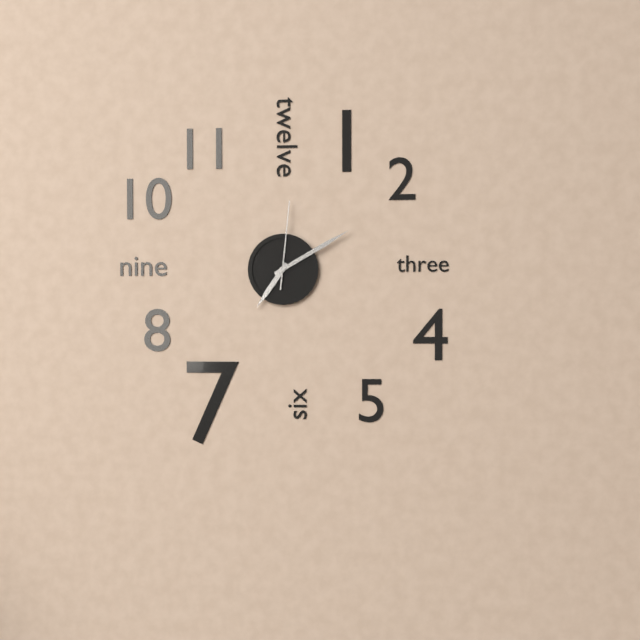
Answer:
7h10m01s
